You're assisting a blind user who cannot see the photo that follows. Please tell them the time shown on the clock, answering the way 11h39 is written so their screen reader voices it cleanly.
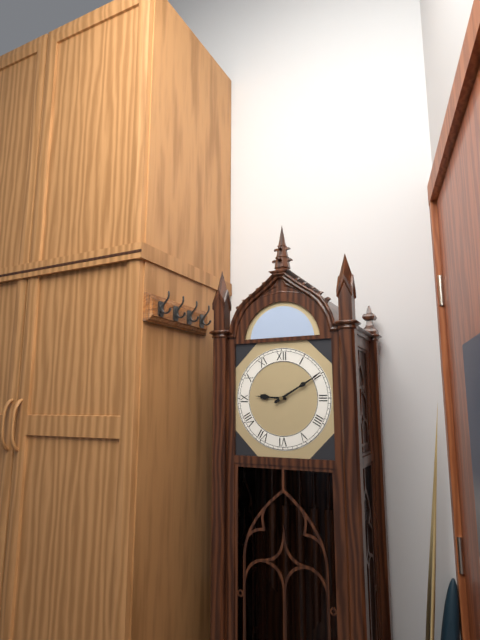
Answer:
9h10
